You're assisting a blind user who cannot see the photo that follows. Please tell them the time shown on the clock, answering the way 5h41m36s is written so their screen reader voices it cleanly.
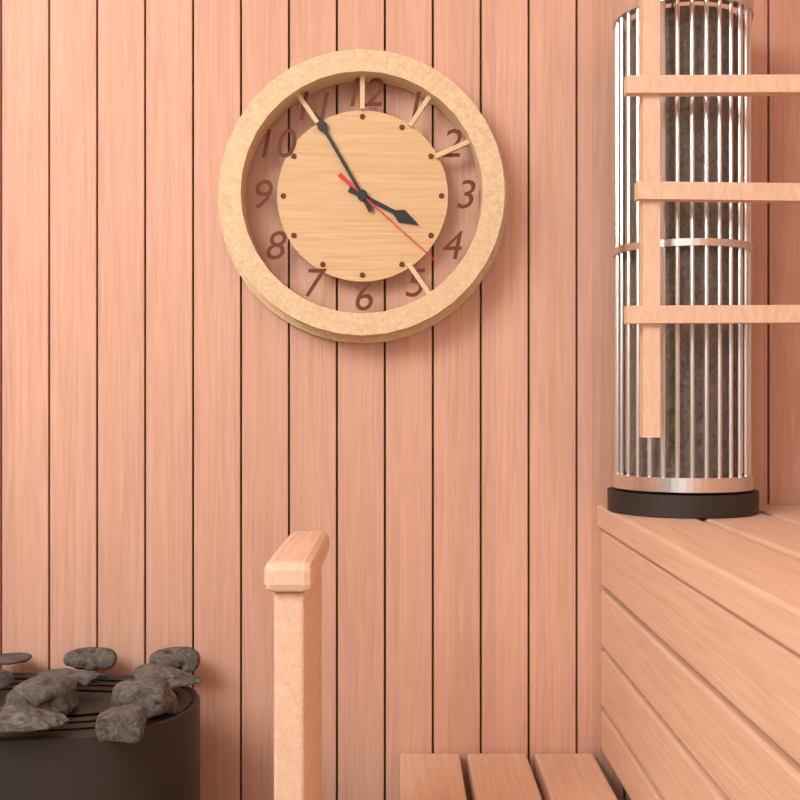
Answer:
3h55m22s
